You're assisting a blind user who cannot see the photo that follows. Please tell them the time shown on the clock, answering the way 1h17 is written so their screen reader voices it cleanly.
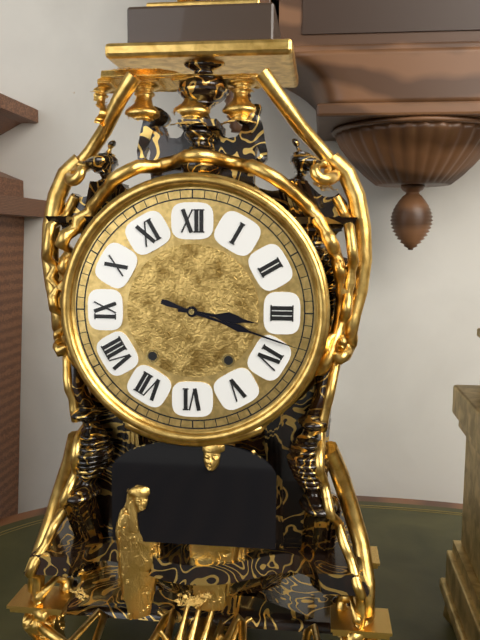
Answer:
3h18
